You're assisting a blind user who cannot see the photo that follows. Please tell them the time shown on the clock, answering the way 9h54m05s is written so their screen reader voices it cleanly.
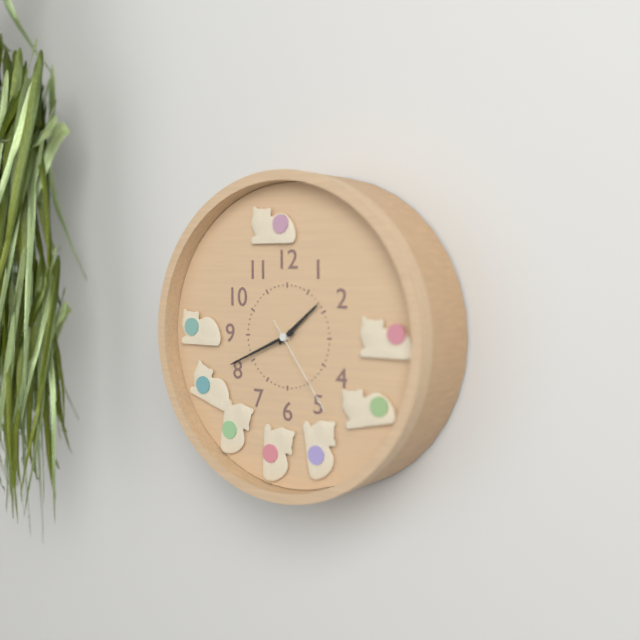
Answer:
1h41m24s
